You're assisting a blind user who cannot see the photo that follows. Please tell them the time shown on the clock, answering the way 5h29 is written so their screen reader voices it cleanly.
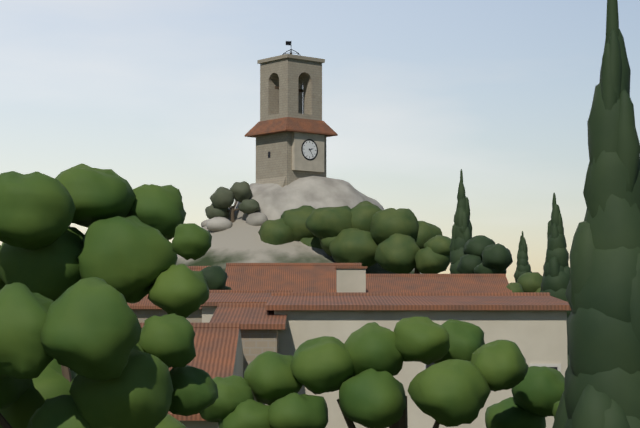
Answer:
2h24
